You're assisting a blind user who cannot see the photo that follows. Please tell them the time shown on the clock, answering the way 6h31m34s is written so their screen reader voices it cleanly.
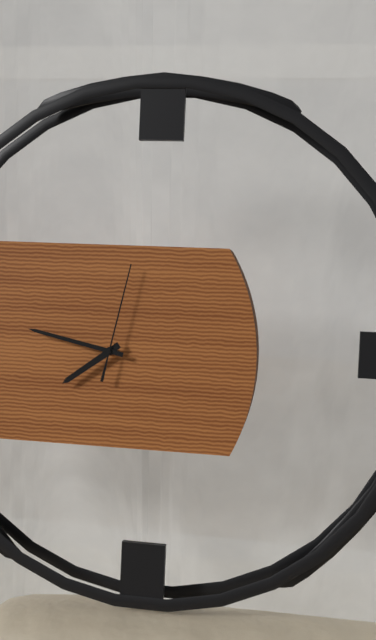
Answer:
7h47m02s
